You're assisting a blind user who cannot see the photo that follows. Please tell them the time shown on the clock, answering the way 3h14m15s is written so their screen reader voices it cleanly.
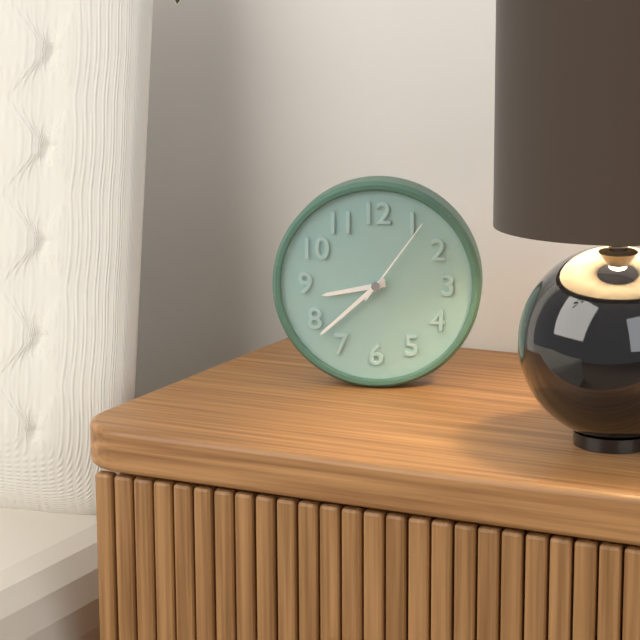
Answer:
8h38m06s
